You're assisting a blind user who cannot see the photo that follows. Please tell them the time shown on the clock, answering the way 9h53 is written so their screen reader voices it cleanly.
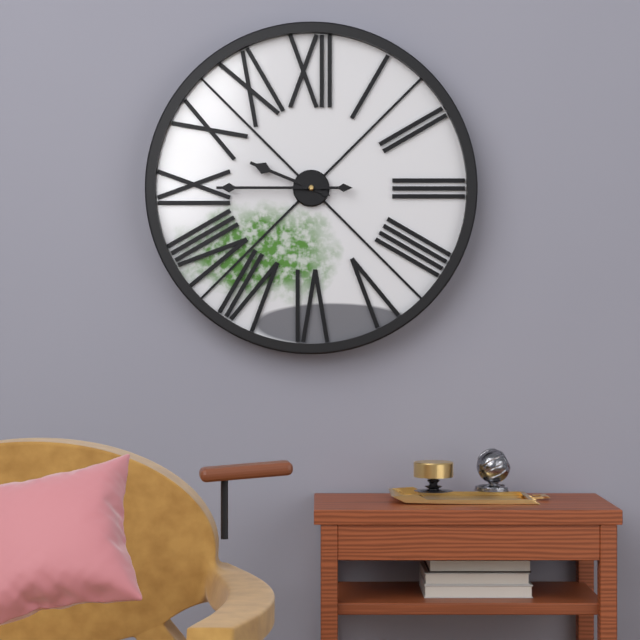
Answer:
9h45
